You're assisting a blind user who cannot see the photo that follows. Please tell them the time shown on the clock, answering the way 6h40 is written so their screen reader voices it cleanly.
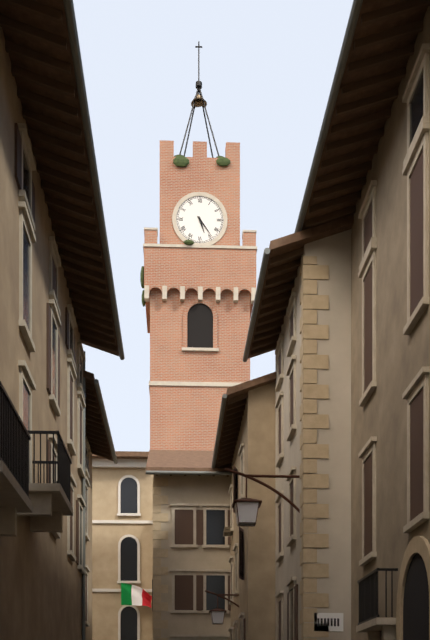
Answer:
5h24
